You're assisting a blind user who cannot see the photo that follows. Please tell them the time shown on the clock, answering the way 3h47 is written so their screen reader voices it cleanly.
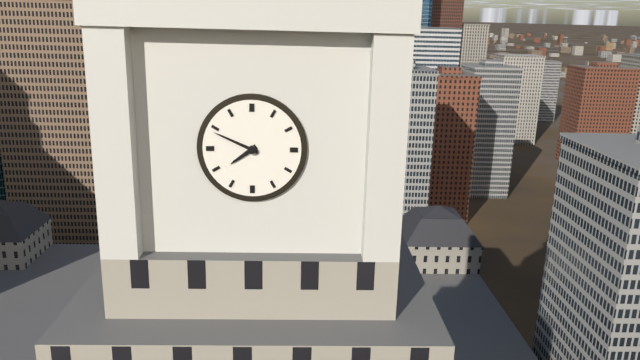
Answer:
7h49
